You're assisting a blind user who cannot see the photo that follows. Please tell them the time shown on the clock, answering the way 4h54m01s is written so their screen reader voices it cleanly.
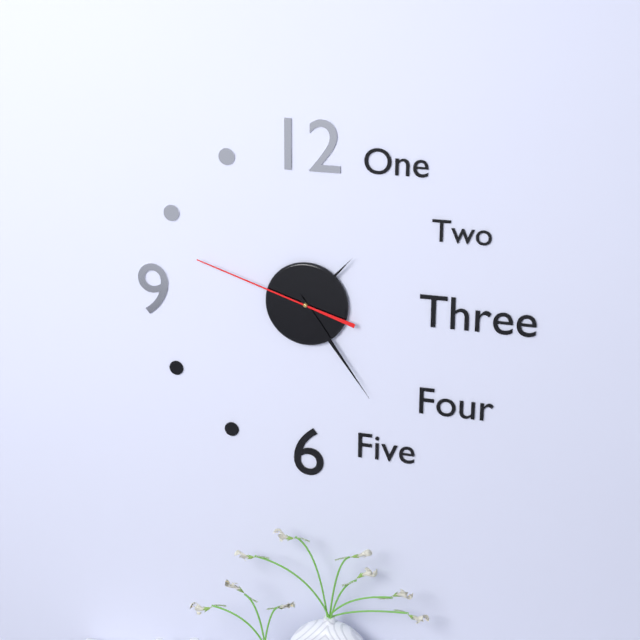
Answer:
1h24m48s
